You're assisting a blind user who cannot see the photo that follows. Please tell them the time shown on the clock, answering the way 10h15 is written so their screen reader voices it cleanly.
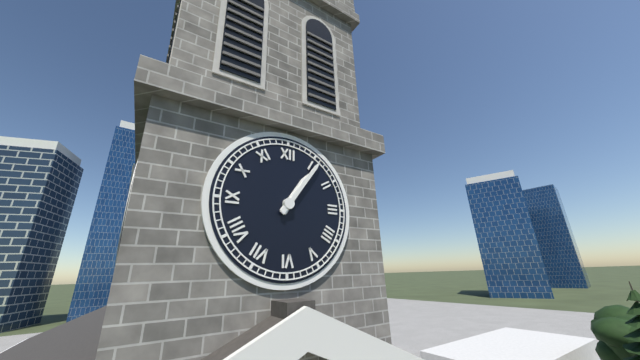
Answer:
1h06
